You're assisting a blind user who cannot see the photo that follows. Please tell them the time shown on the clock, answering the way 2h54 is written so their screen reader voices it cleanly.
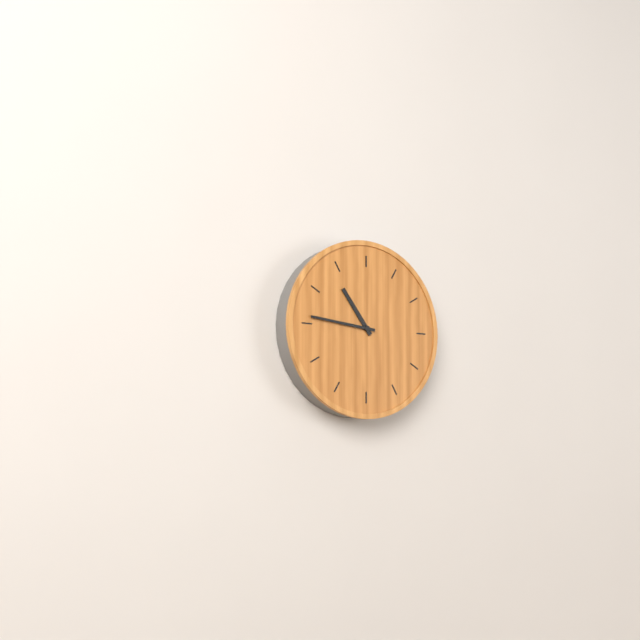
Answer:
10h46
